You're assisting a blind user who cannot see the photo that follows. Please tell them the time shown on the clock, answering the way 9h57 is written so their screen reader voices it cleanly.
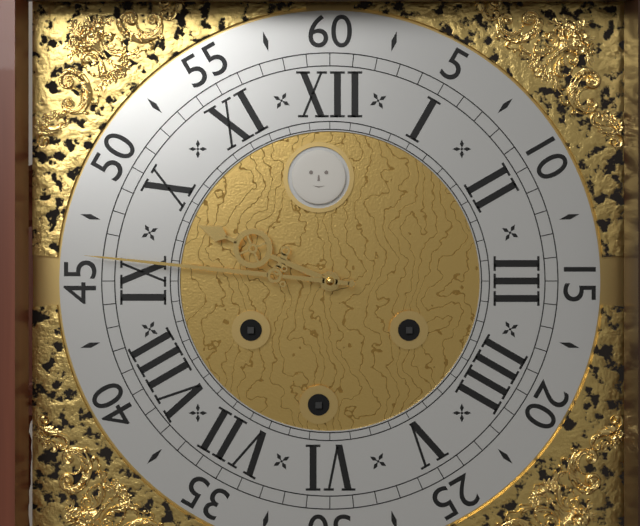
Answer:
9h46
